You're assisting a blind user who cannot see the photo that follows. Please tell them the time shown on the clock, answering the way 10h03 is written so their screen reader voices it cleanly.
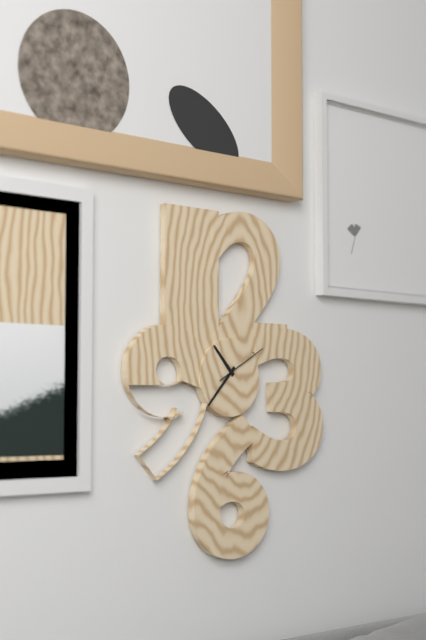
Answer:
10h37
